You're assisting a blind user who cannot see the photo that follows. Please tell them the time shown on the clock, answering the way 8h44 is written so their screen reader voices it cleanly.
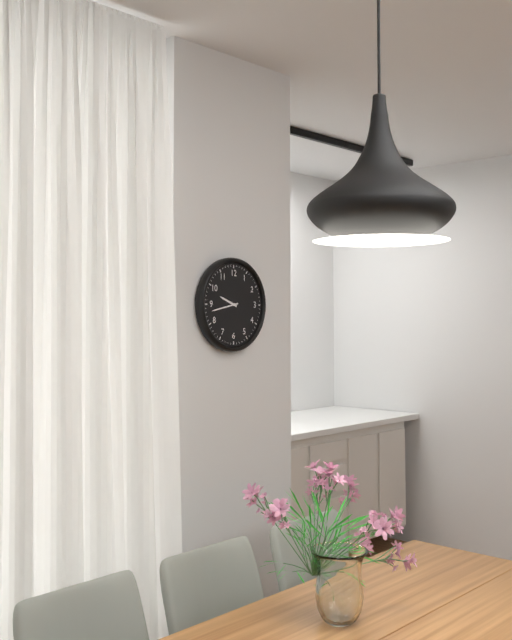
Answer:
9h43
